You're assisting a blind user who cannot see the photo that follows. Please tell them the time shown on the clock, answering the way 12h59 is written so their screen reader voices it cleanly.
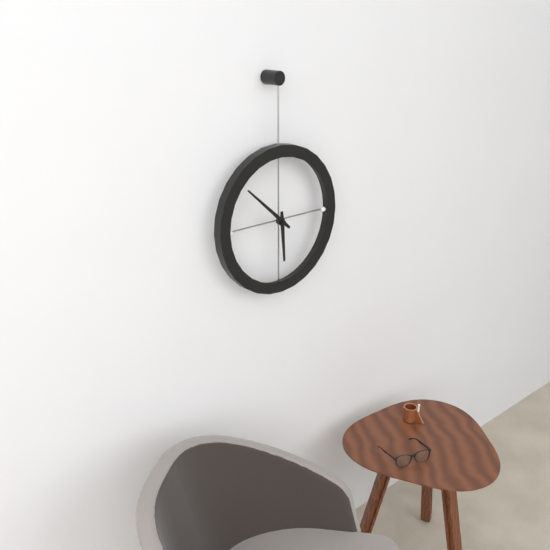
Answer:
5h52
